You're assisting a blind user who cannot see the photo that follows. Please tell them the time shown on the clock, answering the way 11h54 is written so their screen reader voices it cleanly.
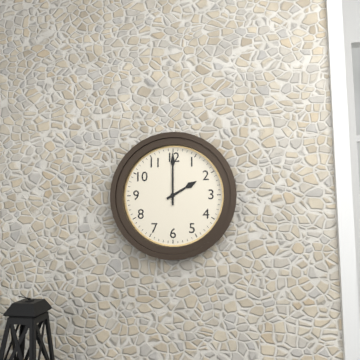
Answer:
2h00
